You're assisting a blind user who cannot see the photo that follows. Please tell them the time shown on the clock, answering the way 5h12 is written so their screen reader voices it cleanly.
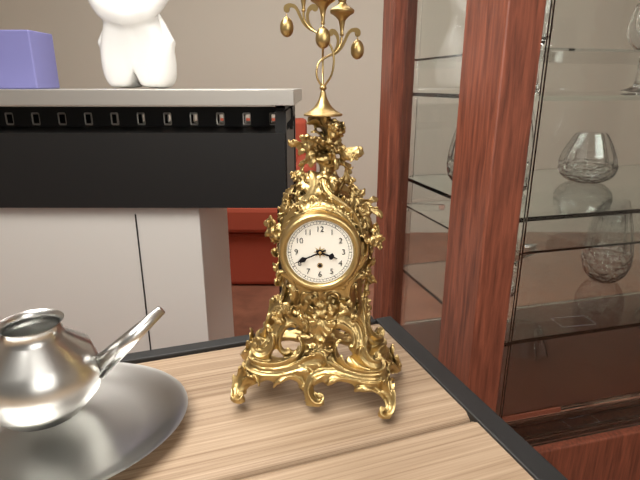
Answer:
3h41
